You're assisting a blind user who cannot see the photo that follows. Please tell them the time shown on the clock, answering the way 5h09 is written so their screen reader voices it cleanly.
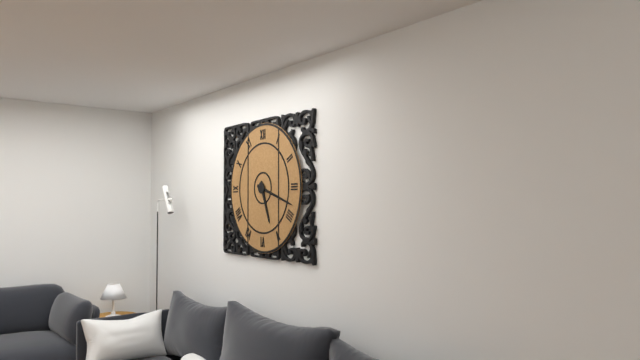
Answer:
5h18
